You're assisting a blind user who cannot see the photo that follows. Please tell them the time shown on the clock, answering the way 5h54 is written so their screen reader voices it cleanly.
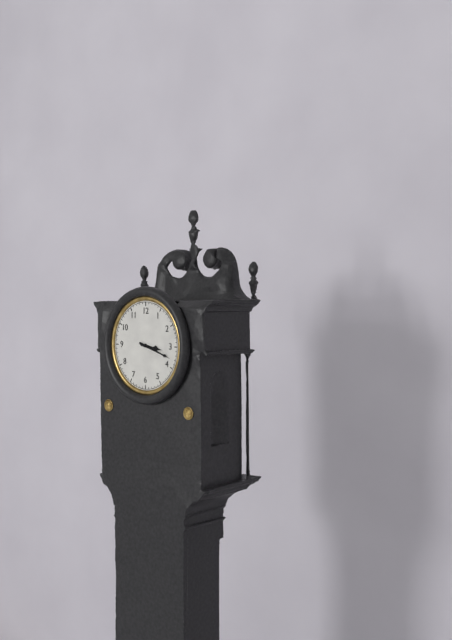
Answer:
3h18
